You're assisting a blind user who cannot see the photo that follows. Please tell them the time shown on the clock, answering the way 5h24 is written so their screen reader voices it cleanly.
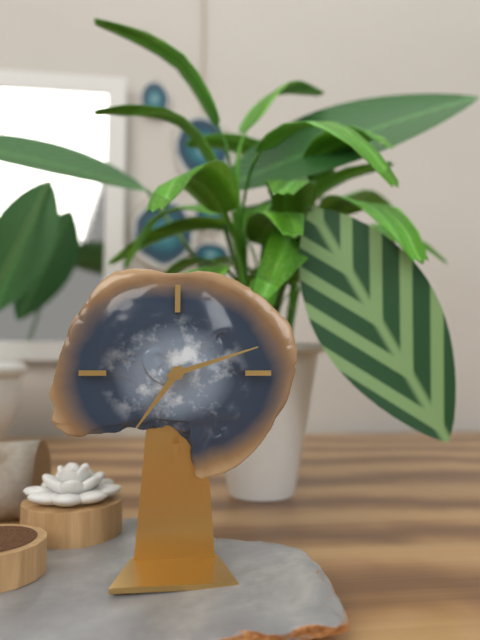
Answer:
7h12
